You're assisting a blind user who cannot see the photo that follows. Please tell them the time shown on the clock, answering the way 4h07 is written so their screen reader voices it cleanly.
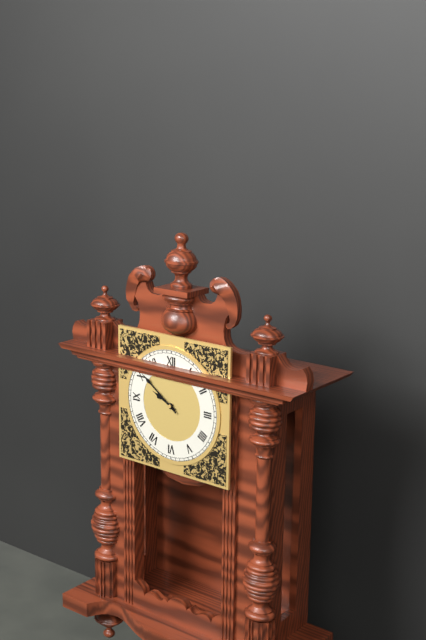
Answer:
9h51
